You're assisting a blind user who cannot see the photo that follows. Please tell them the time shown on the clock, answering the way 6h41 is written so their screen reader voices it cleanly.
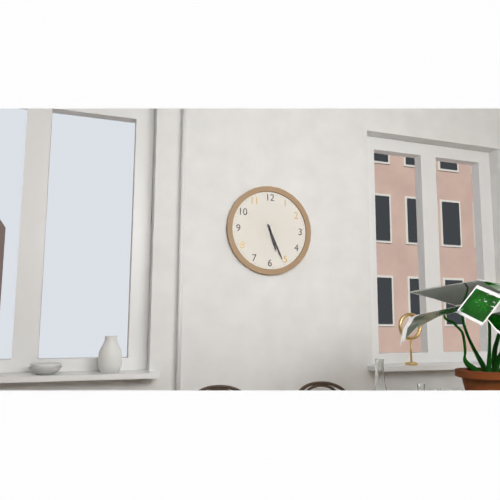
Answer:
5h26
